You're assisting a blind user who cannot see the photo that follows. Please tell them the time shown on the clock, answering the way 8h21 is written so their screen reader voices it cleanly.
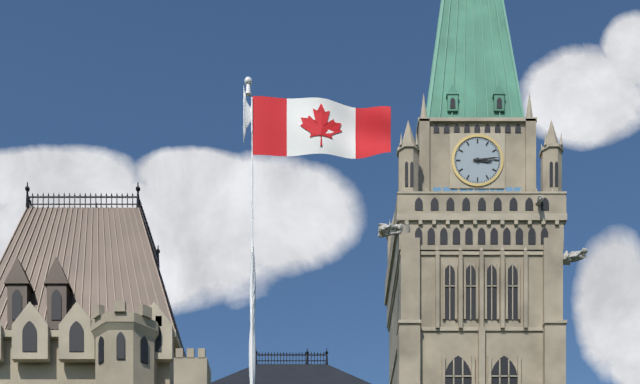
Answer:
3h14
